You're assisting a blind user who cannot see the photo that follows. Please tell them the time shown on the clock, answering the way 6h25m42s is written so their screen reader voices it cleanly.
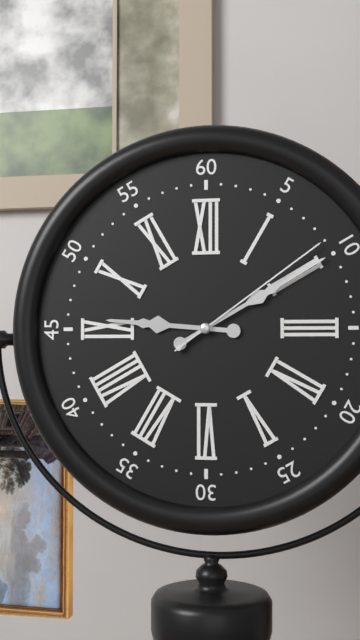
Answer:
9h10m09s
